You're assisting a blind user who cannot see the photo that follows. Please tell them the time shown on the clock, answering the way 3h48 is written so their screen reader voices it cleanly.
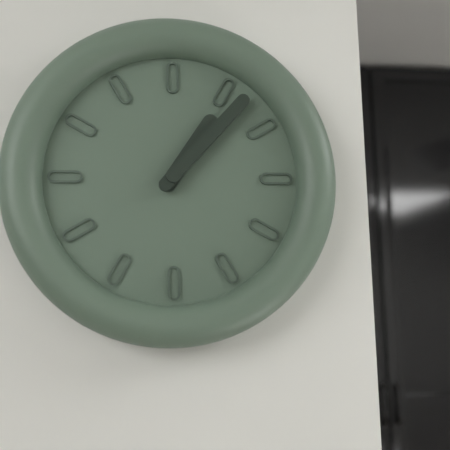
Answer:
1h07
